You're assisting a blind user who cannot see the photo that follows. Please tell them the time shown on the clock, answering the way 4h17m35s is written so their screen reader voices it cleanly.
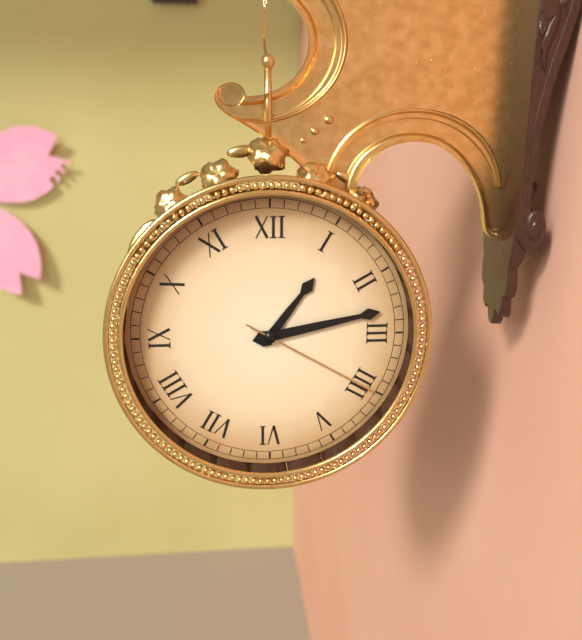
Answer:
1h13m20s
